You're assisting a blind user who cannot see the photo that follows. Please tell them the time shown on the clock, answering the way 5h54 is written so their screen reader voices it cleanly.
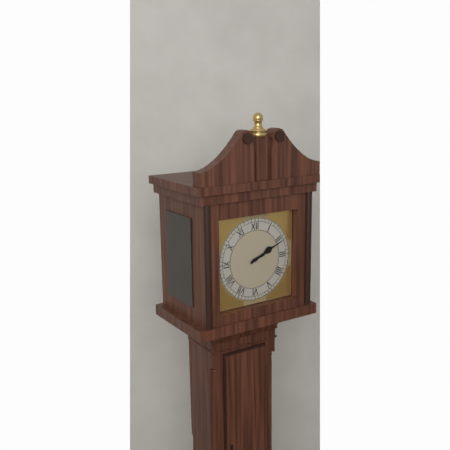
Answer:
2h11
